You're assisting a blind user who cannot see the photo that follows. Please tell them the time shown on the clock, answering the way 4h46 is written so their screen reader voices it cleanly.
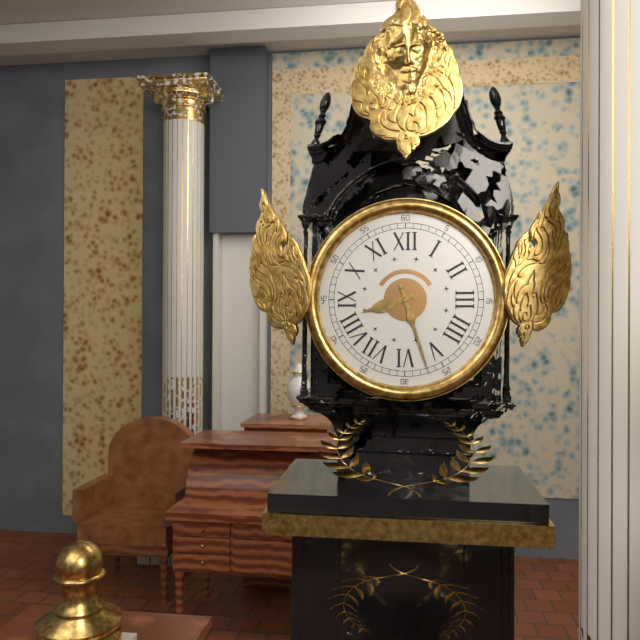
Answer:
8h27
